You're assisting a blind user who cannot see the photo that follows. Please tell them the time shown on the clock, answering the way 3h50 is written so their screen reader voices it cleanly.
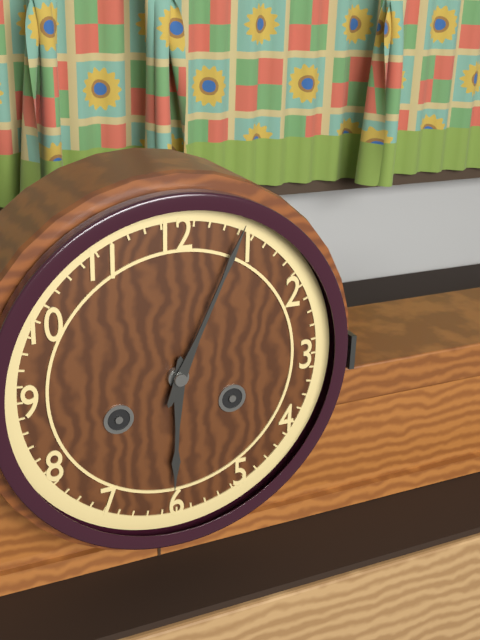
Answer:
6h04
